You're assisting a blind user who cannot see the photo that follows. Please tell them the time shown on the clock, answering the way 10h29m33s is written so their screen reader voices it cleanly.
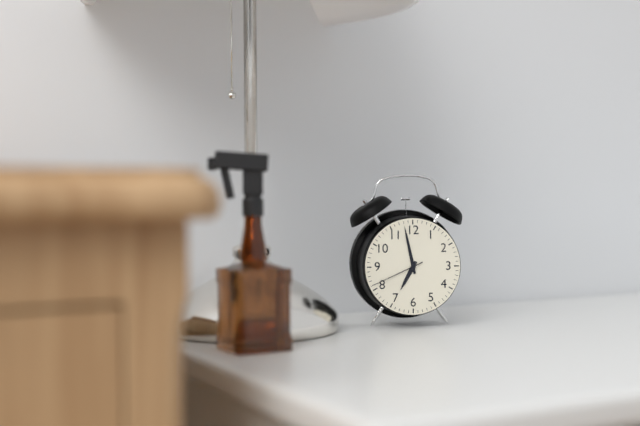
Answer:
6h58m41s
